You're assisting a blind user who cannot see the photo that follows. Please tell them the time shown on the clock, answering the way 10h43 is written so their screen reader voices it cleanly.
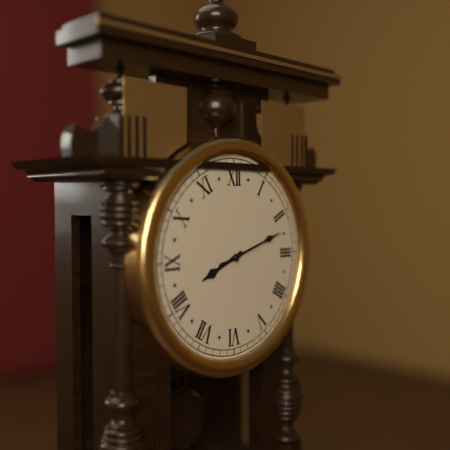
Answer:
8h12
